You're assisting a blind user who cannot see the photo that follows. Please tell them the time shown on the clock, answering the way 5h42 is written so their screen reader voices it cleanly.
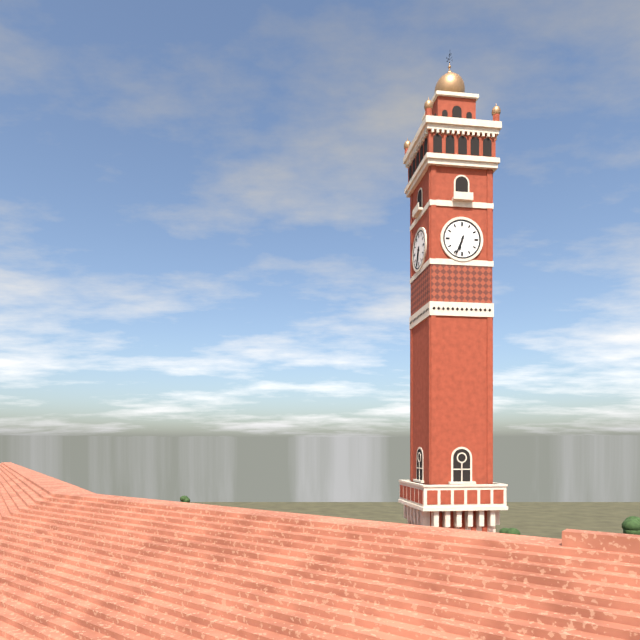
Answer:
6h34
